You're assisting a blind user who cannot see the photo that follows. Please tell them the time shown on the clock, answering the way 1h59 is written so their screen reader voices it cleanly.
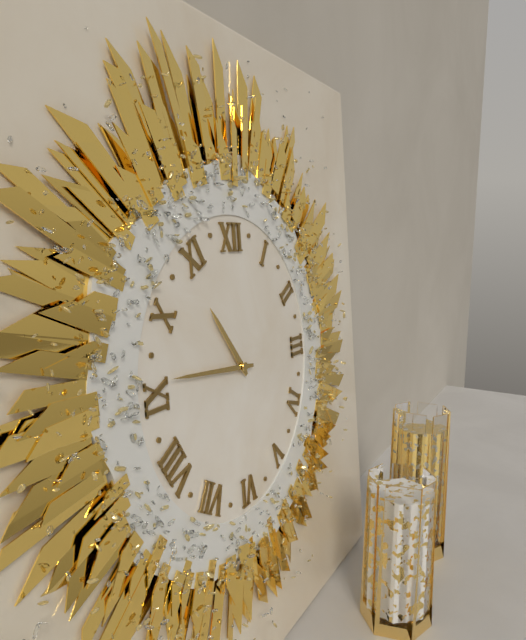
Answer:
10h46
